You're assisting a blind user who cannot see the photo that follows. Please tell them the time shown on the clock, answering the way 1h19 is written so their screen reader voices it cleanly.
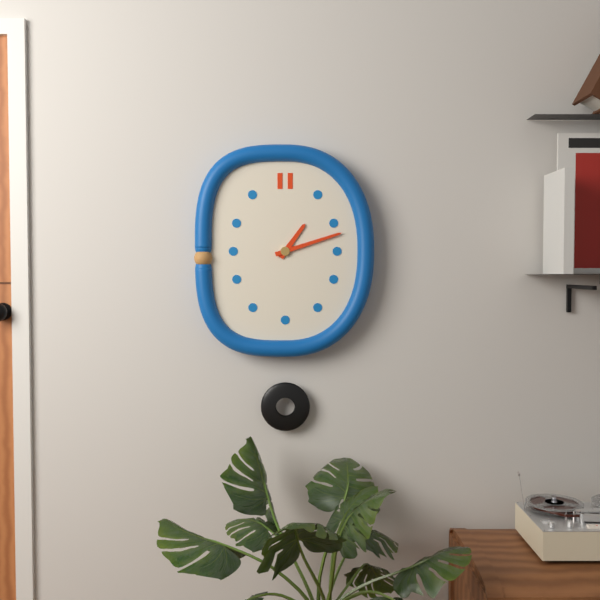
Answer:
1h12
